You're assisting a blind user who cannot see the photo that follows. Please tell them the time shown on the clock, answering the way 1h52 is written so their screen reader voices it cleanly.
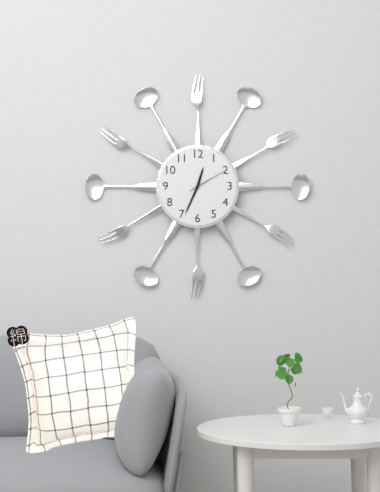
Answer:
12h34
